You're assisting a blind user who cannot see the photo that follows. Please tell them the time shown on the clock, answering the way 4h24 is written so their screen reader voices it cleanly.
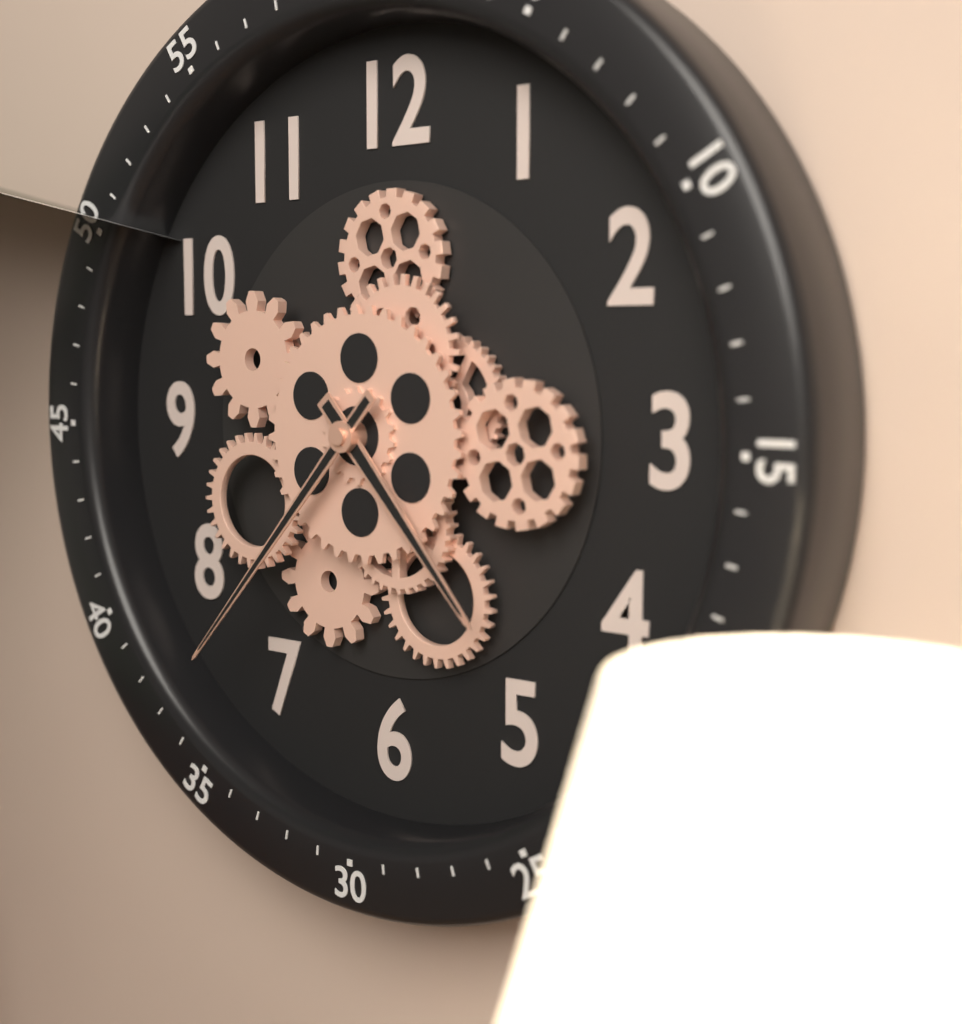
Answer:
4h37
